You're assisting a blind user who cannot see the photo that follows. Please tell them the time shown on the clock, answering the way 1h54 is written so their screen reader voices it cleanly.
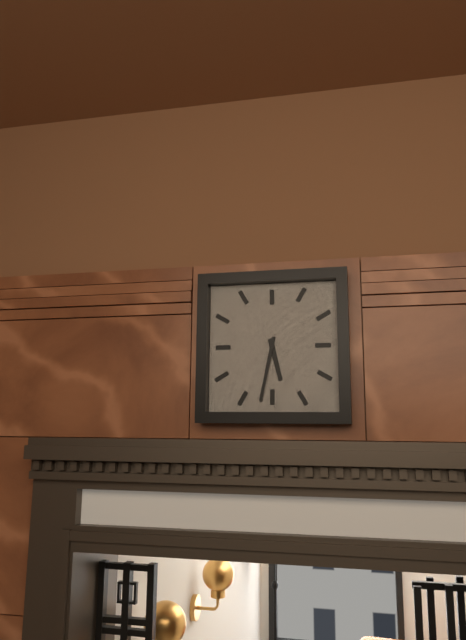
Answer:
5h32
